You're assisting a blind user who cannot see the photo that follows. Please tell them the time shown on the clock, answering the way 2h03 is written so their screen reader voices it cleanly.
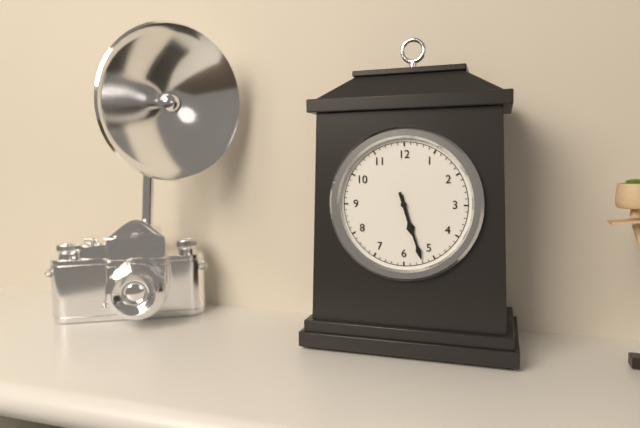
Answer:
5h27
